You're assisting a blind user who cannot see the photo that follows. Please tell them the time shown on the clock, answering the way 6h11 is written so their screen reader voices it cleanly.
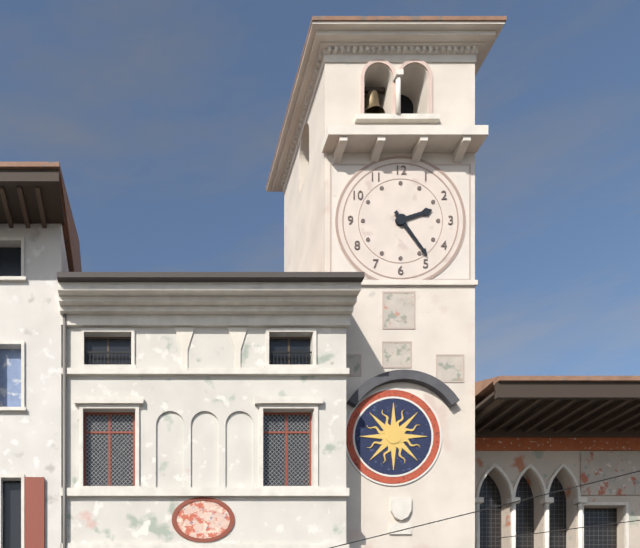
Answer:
2h24
